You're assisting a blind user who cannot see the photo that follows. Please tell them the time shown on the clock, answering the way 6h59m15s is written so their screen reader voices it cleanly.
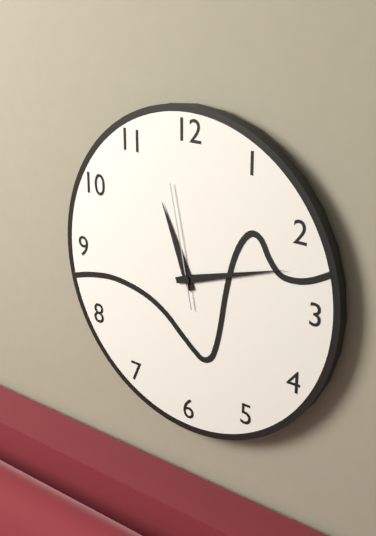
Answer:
11h12m58s
